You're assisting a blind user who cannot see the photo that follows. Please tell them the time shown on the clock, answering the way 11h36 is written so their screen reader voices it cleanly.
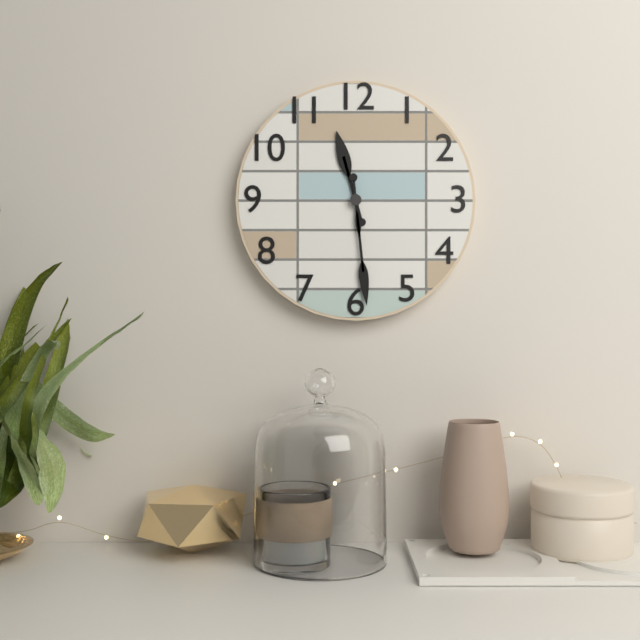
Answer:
11h29
